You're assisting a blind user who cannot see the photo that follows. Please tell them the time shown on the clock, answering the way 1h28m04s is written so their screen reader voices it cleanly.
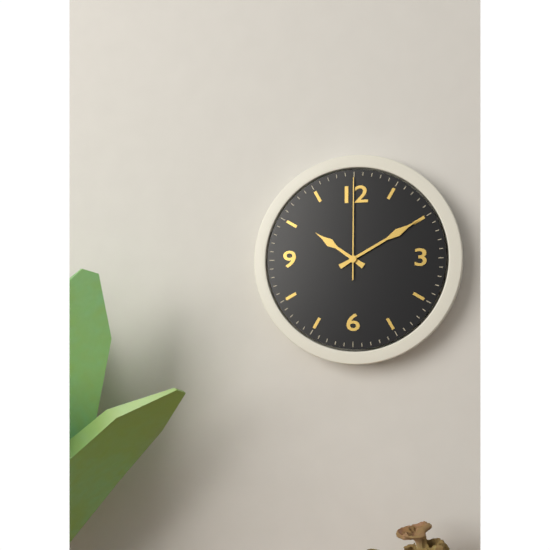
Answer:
10h10m00s
